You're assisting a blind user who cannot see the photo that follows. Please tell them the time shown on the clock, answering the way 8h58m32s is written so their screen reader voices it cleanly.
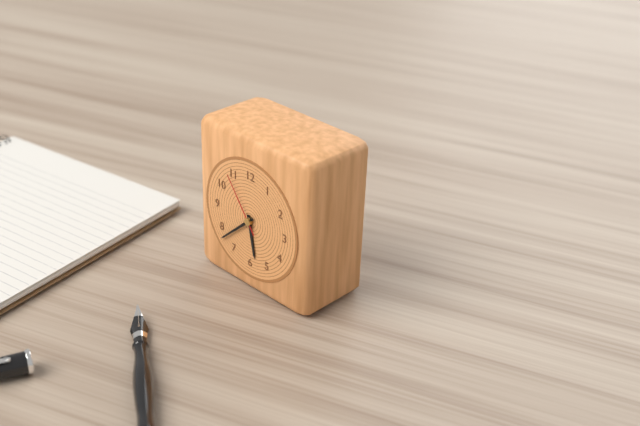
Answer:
5h38m54s
